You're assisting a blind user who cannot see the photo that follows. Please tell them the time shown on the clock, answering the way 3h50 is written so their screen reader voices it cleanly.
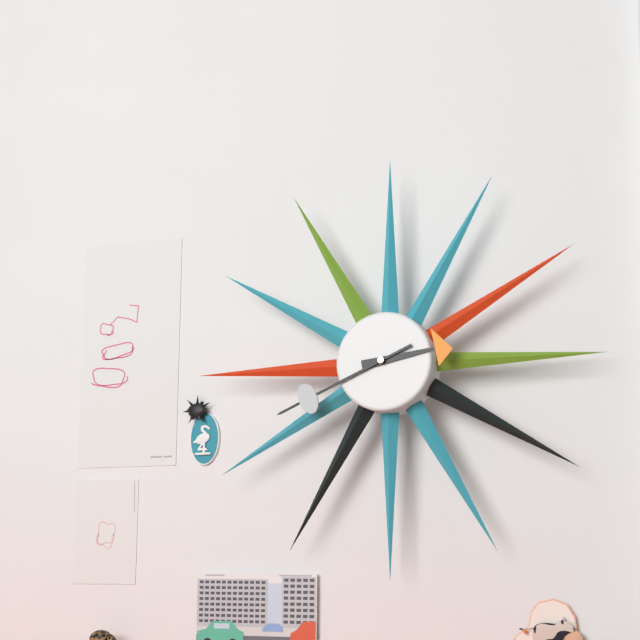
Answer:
2h41
